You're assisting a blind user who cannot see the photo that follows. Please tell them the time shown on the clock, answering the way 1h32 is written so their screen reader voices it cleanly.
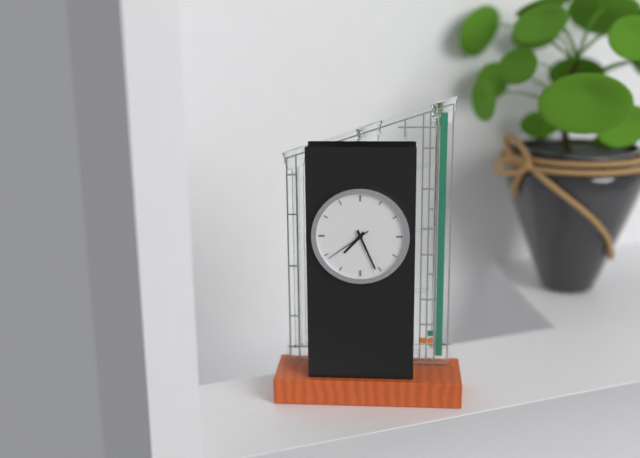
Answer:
7h26
